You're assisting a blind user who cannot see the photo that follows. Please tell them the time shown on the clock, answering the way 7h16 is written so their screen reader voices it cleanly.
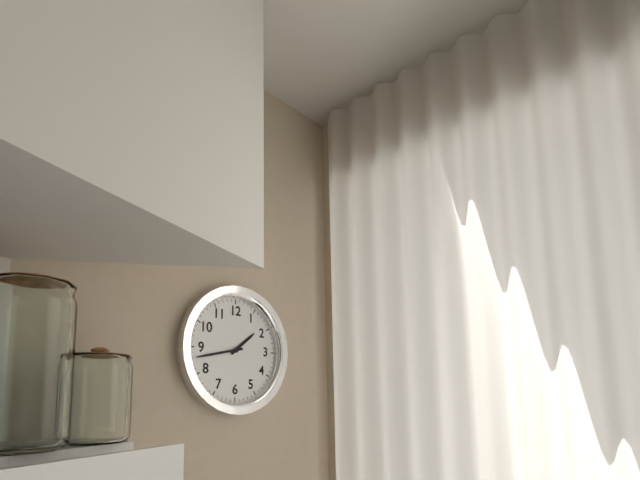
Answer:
1h43
